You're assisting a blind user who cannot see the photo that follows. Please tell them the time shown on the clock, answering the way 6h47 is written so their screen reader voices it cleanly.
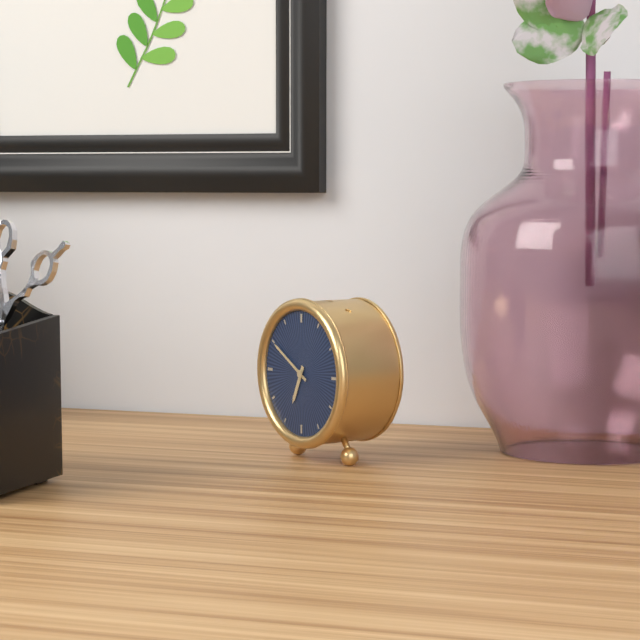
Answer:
6h50
